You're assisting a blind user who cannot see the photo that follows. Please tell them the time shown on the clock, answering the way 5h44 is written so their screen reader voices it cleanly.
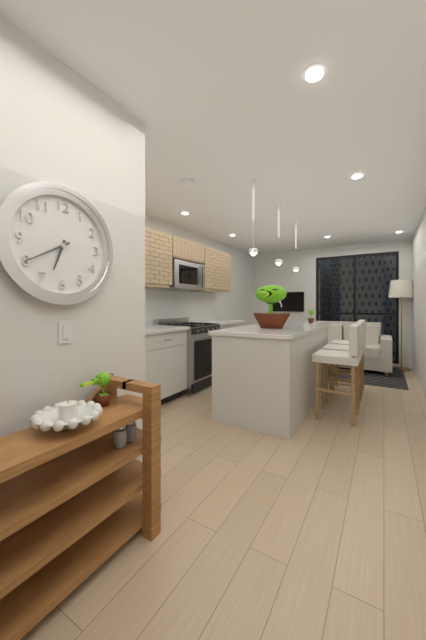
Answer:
6h40
